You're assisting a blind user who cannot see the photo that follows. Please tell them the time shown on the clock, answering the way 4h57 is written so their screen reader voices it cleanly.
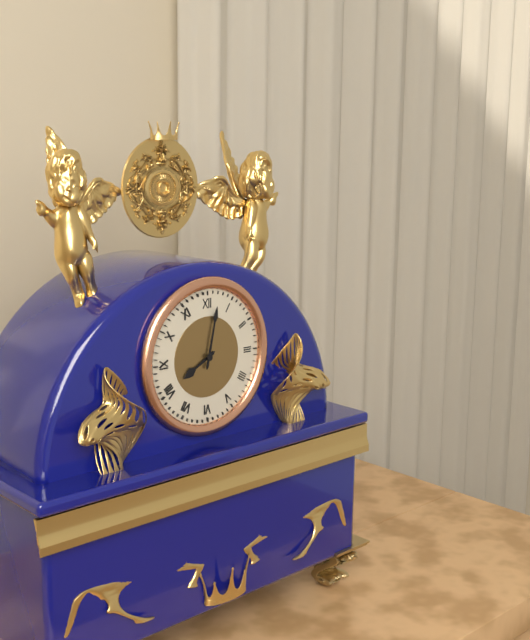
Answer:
8h02
